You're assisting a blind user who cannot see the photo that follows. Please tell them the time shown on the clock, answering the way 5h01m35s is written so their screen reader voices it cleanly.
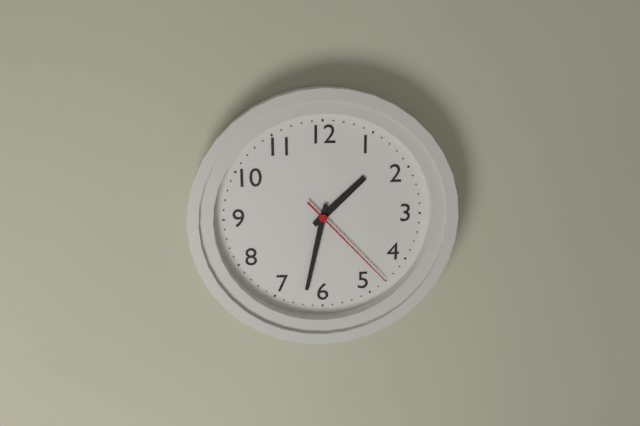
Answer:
1h32m23s
